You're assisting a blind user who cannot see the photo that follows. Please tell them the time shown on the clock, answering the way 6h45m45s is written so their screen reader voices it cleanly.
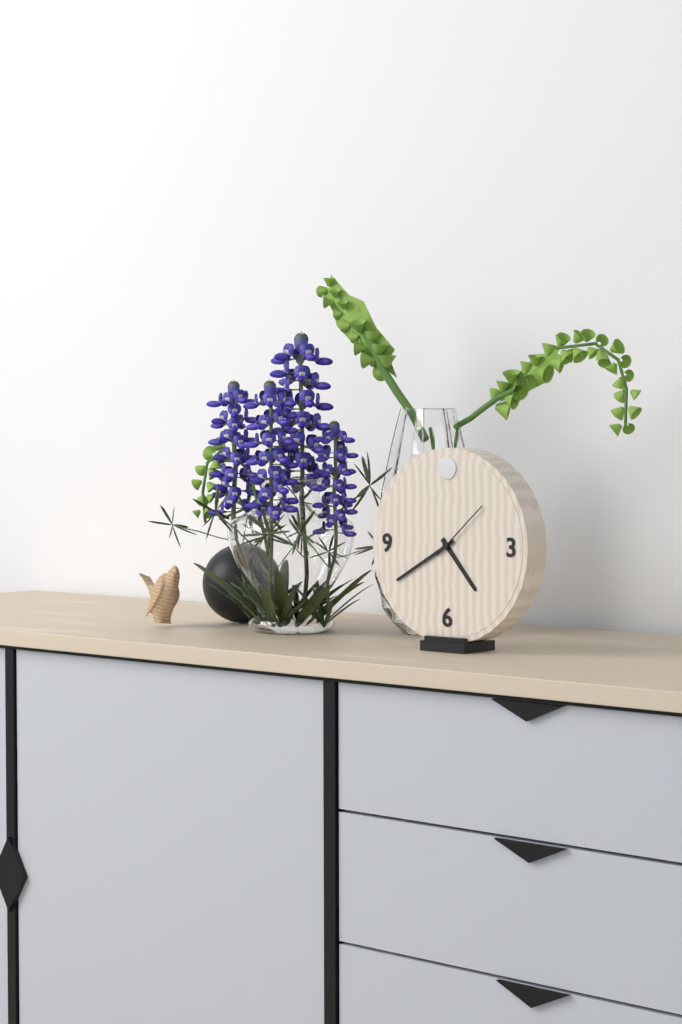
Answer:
4h40m08s
